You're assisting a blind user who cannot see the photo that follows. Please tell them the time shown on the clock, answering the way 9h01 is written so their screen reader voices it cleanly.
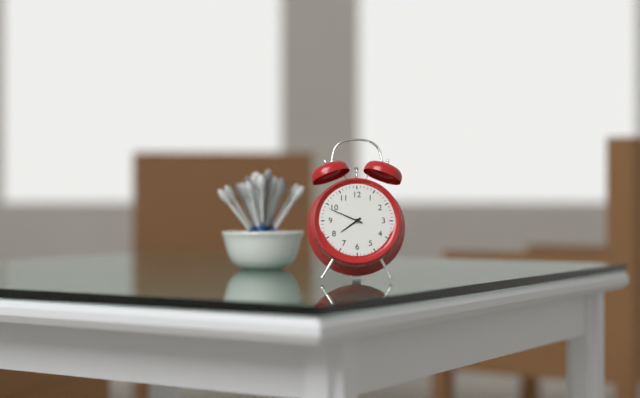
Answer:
7h49
